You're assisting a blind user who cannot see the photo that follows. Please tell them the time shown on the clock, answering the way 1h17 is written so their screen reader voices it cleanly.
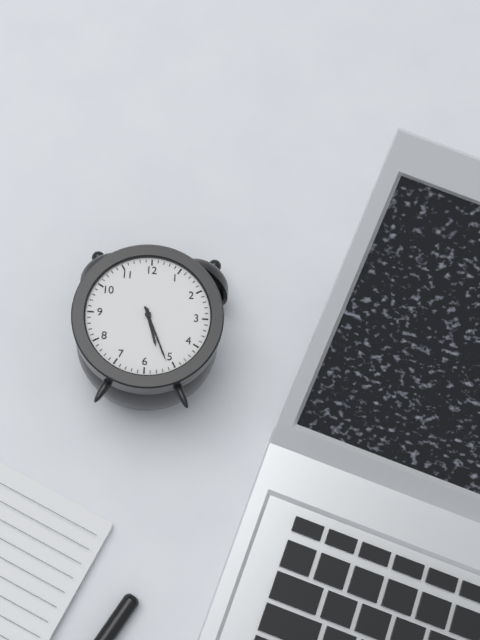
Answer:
5h26
